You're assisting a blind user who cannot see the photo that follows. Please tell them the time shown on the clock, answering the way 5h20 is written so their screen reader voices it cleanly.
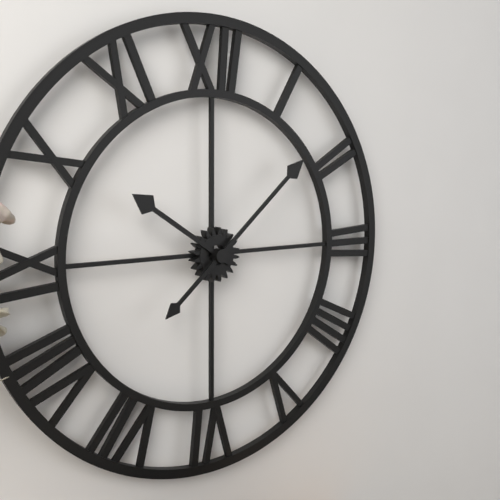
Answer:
10h08
